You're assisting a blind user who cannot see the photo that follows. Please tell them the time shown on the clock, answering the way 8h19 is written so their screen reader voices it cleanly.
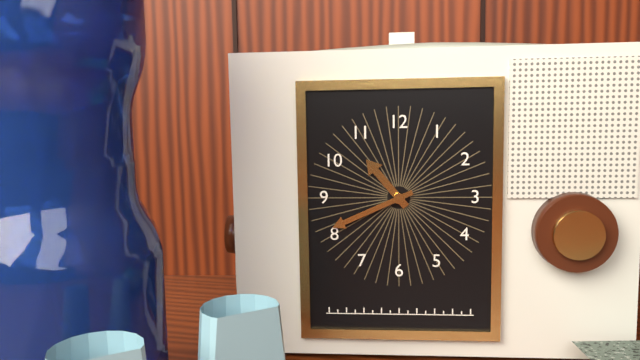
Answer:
10h41
